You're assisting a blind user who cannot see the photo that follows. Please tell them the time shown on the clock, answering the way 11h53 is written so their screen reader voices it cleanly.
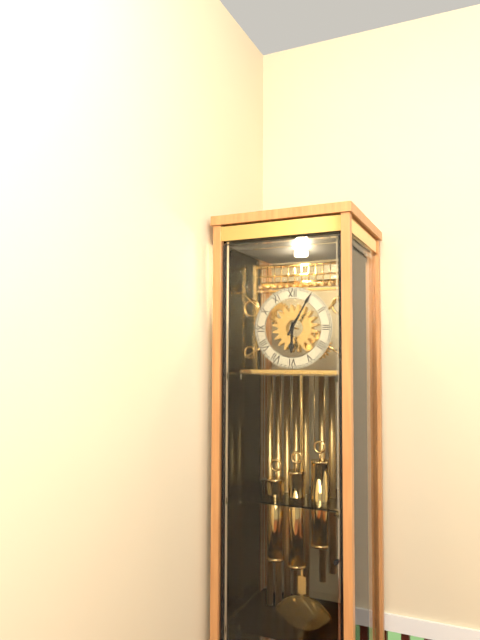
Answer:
6h05
